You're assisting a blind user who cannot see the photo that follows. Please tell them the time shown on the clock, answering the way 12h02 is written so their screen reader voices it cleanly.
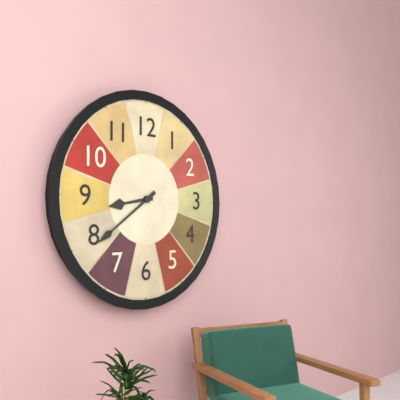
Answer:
8h39
